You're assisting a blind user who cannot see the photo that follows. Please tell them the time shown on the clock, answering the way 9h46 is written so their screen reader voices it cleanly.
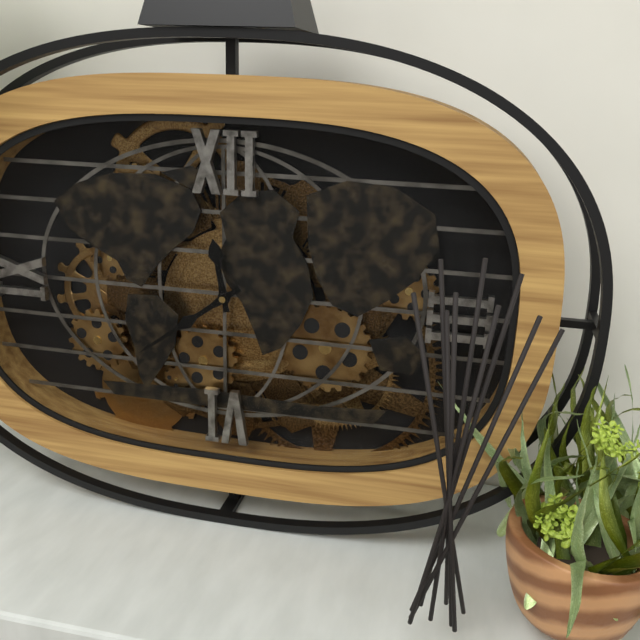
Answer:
11h39
